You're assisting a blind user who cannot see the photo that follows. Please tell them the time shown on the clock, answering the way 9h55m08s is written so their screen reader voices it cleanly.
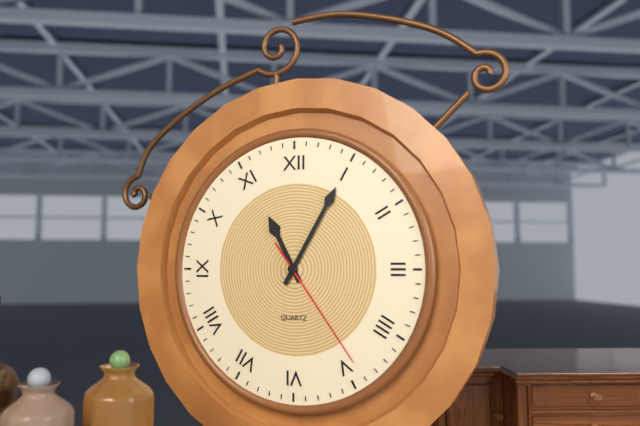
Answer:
11h05m24s
